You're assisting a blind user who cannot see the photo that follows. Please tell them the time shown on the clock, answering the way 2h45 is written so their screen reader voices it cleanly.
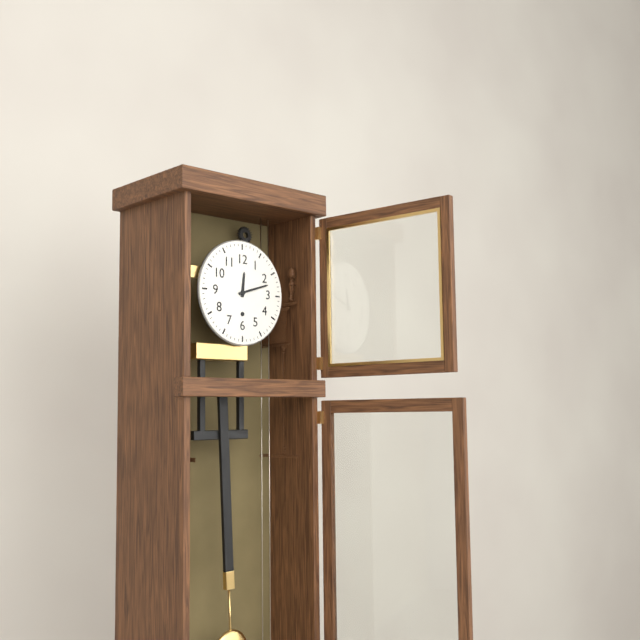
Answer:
12h12
